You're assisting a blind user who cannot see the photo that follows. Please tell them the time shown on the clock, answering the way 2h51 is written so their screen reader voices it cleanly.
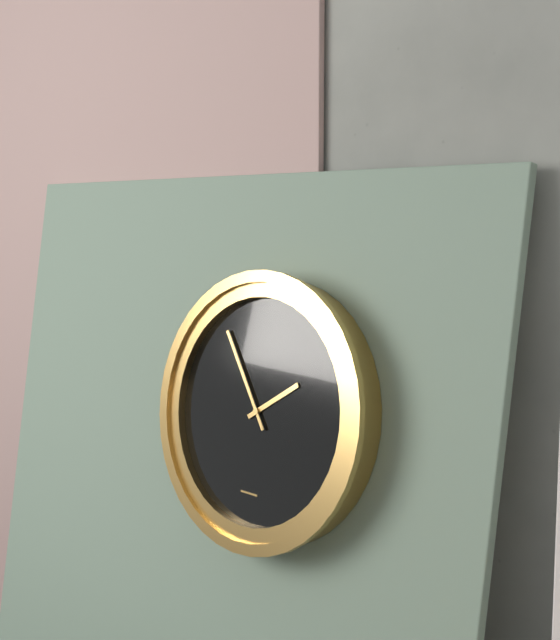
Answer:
1h54
